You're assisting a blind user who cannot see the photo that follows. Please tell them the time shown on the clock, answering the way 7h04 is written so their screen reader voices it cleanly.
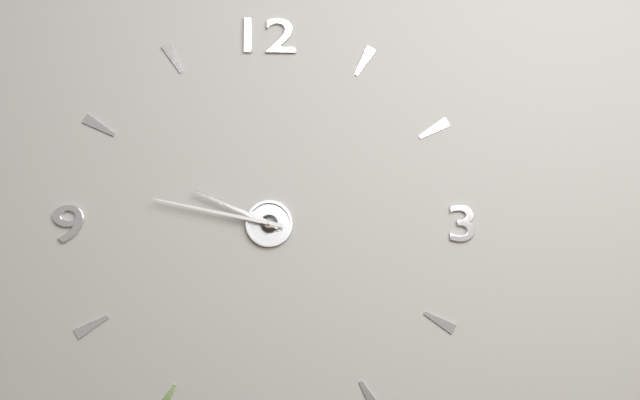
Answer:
9h47
